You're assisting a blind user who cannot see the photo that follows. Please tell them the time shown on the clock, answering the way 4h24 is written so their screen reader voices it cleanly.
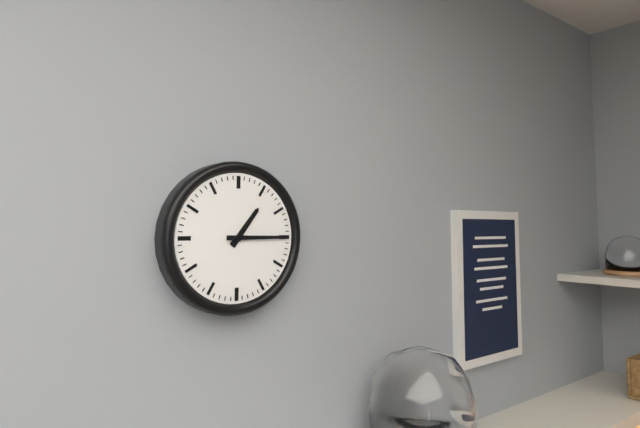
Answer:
1h15
